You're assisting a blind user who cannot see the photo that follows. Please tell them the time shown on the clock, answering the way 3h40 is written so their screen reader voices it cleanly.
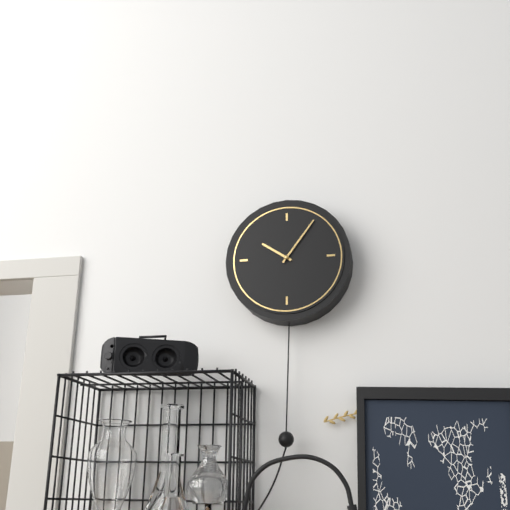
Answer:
10h06
